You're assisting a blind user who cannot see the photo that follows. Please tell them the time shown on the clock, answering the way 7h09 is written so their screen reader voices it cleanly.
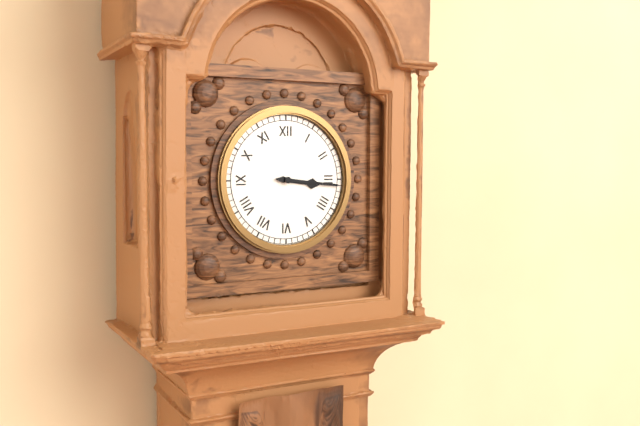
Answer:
3h16
